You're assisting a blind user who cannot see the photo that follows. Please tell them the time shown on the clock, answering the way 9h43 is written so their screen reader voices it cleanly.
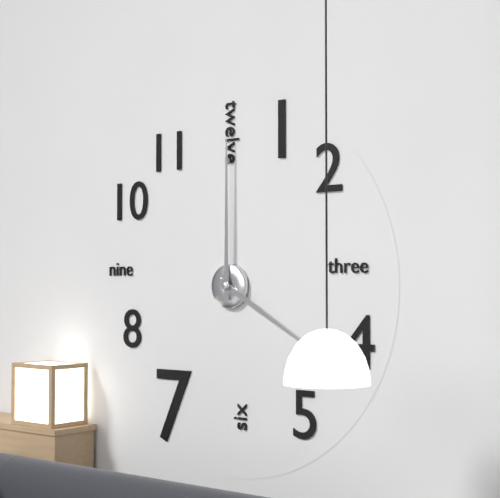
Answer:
4h00
